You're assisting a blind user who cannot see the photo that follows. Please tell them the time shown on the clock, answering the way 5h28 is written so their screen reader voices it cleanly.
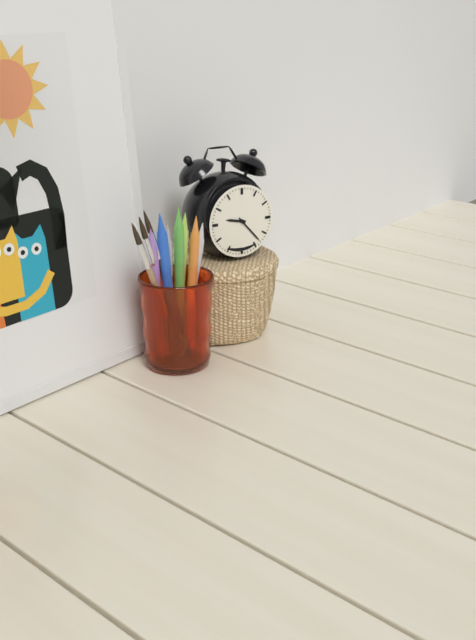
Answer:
9h23
